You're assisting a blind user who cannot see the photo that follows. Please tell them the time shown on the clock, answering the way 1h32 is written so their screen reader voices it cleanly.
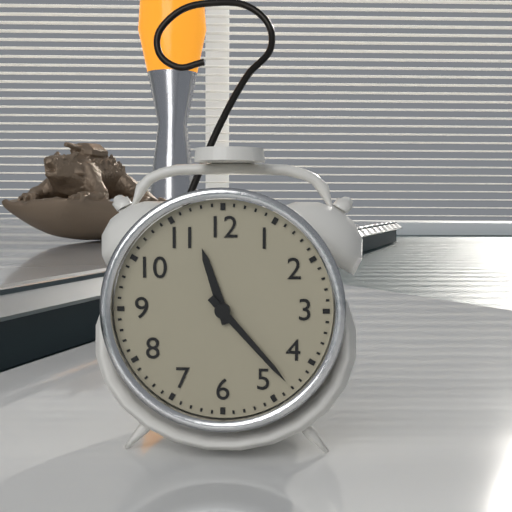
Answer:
11h23
